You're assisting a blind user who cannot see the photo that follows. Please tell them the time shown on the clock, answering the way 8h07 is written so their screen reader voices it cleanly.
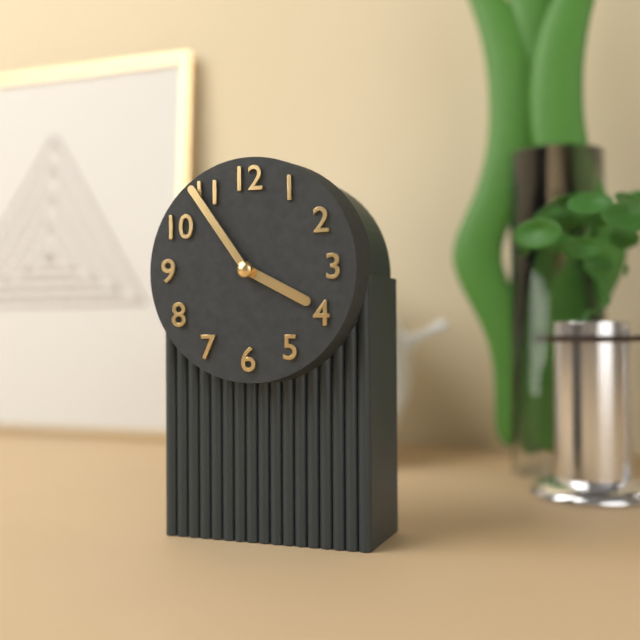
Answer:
3h54
